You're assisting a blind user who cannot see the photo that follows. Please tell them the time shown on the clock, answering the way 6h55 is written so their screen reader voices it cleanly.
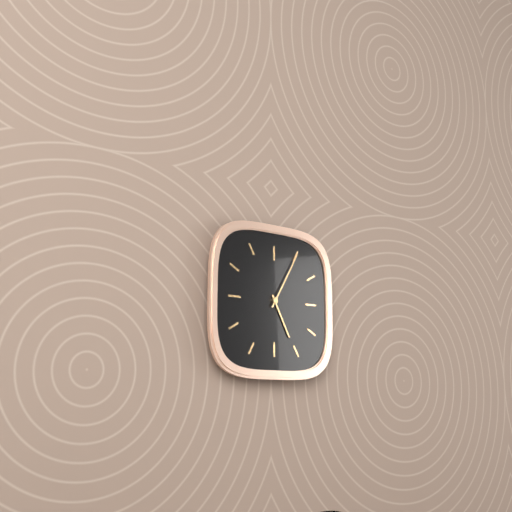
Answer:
5h05
